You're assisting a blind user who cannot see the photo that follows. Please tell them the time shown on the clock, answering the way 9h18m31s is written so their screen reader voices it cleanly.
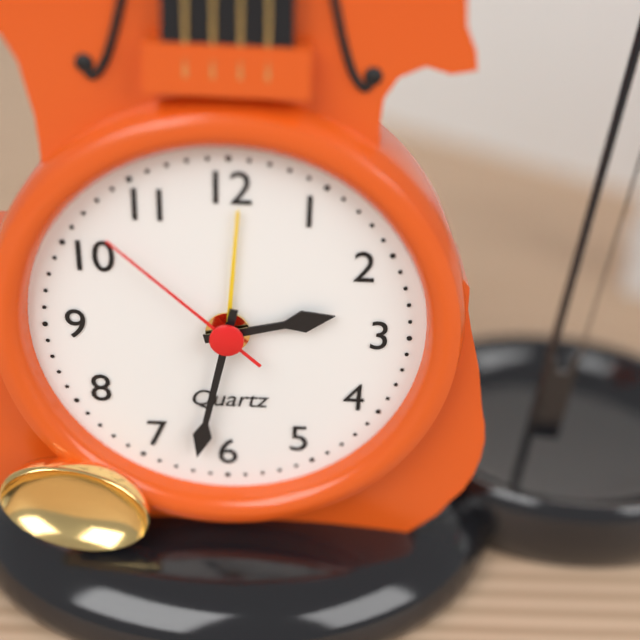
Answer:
2h32m52s
